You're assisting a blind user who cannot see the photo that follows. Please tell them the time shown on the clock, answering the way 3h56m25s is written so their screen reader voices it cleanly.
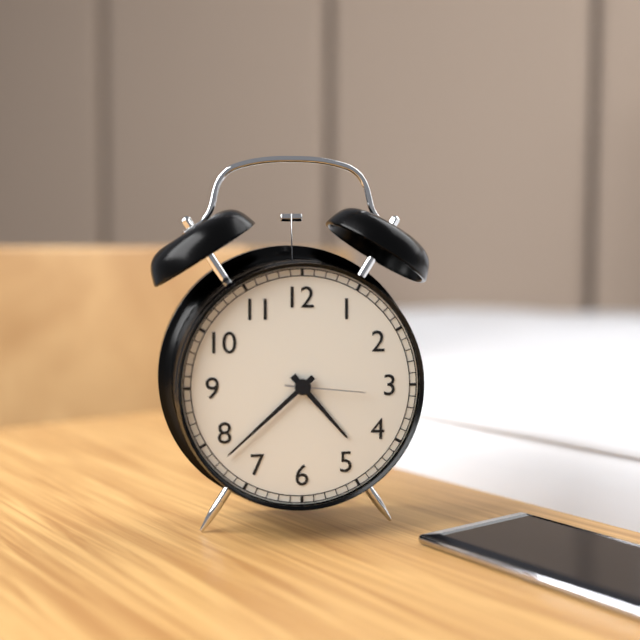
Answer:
4h38m16s
